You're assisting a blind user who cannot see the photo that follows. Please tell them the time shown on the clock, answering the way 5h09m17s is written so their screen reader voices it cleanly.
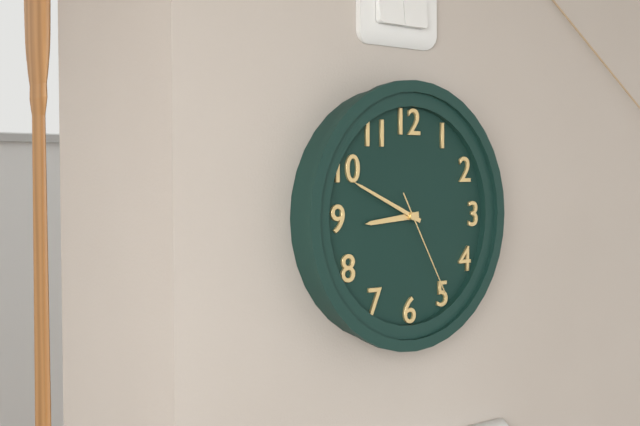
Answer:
8h49m25s
